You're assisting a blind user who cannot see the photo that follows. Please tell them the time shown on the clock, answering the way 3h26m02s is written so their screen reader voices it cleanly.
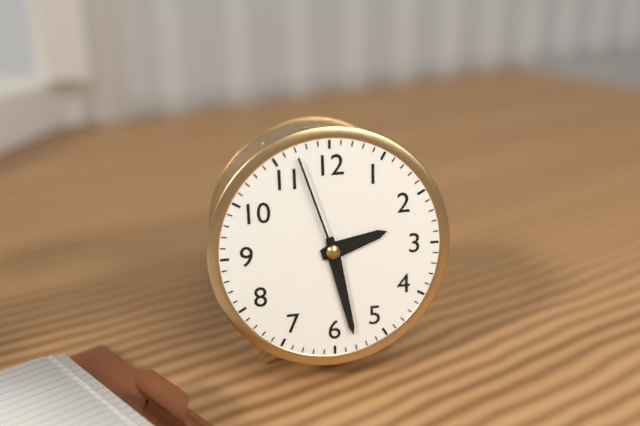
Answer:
2h28m57s
